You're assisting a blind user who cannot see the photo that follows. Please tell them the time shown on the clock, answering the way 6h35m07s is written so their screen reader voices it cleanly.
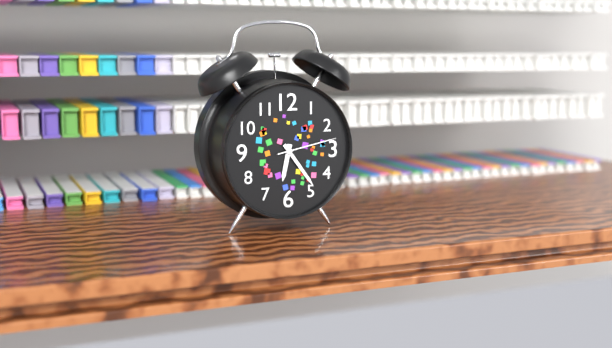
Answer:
6h24m13s
